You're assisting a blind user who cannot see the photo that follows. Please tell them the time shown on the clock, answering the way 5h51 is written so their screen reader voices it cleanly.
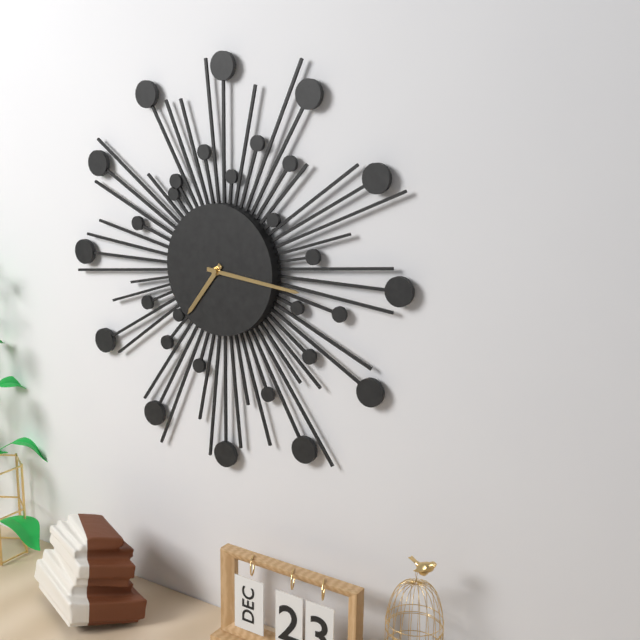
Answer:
7h16
